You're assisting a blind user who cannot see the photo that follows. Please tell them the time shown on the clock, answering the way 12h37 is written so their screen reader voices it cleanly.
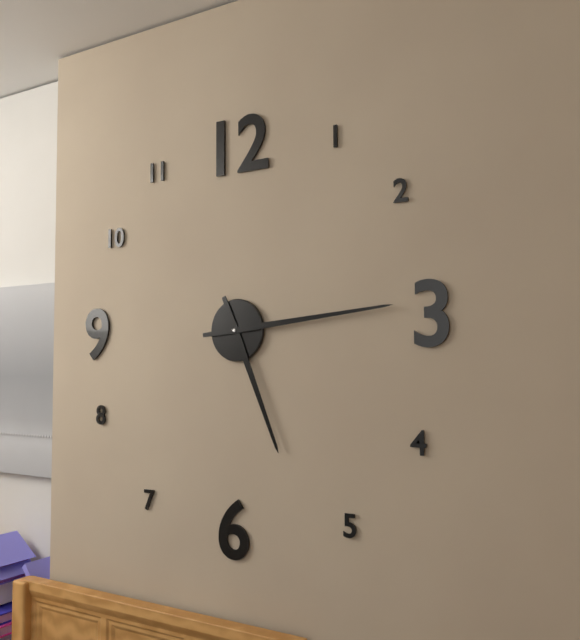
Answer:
5h14
